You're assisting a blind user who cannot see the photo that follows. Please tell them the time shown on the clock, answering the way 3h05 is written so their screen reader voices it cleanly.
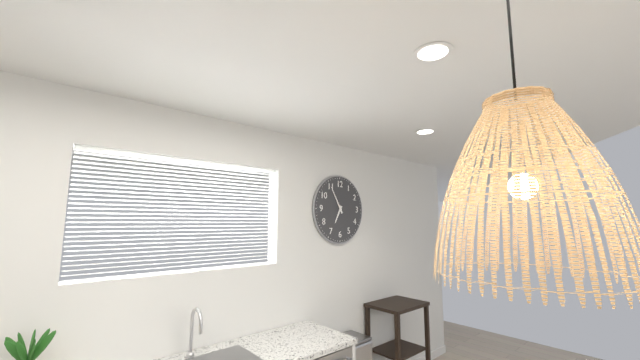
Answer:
6h55
